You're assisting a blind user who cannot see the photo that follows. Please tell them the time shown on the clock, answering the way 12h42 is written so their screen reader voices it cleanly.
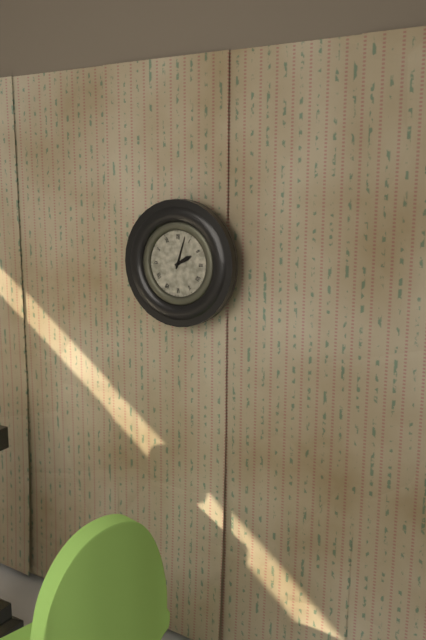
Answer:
2h03
